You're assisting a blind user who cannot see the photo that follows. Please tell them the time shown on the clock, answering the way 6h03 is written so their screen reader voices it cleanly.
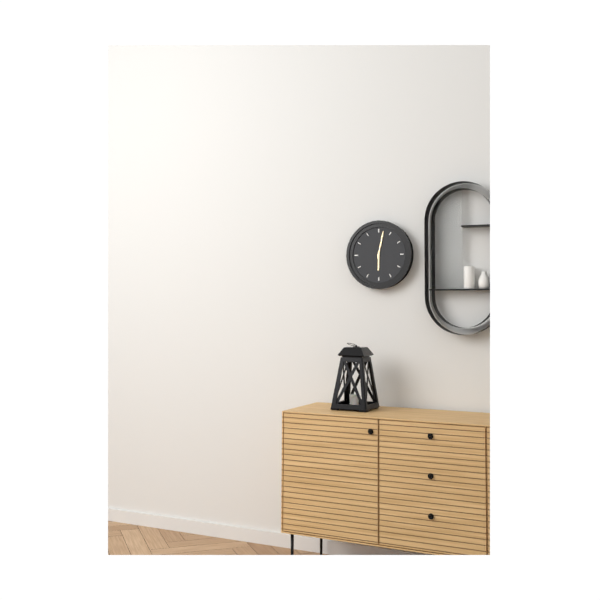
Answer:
6h02
